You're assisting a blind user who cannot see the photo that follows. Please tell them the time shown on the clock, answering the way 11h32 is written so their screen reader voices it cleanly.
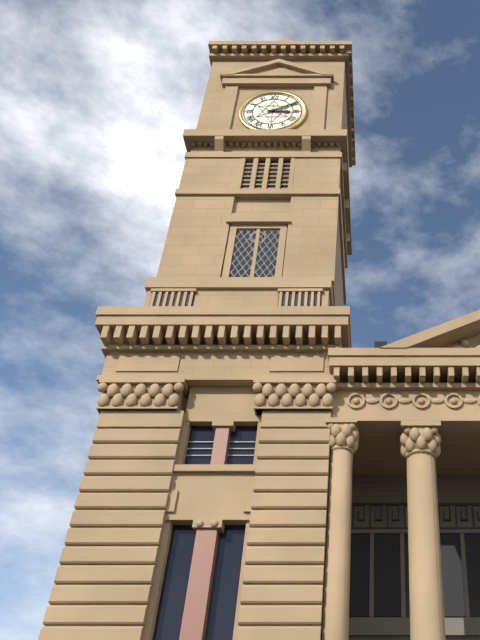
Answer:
3h10
